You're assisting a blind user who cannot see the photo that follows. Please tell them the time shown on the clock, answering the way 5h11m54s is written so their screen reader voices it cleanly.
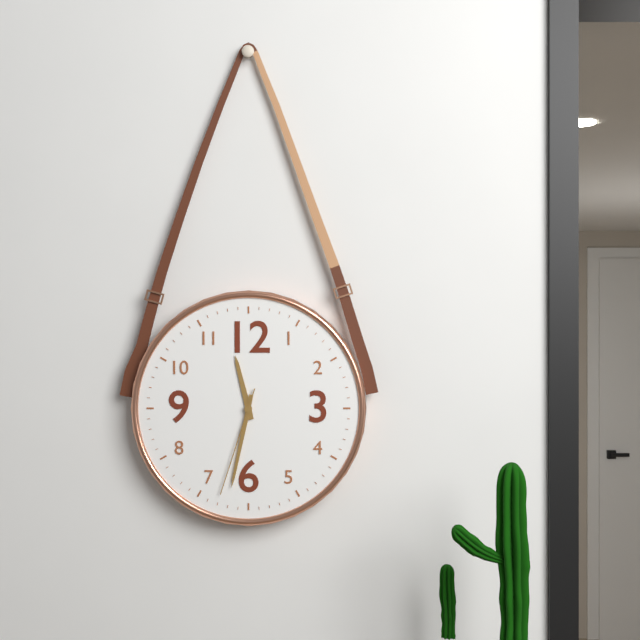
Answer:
11h32m33s
